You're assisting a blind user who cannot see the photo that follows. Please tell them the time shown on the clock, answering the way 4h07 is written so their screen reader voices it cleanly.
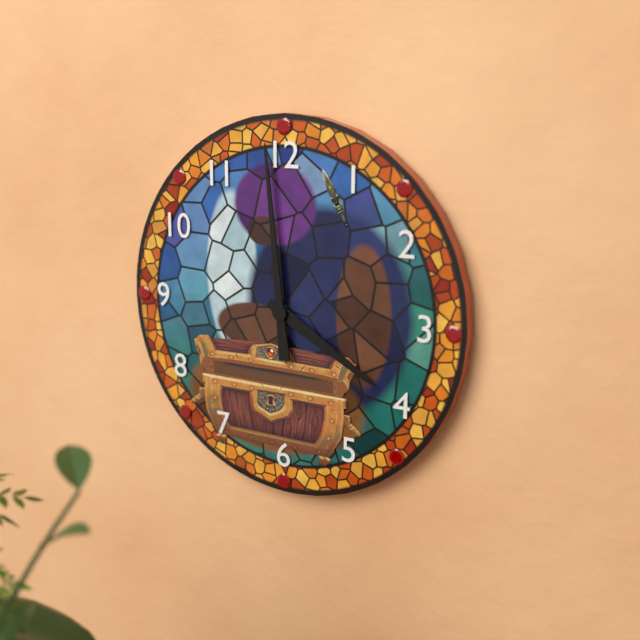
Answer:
3h59
